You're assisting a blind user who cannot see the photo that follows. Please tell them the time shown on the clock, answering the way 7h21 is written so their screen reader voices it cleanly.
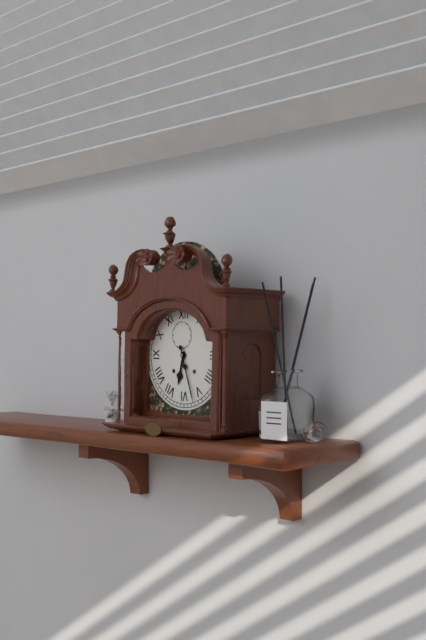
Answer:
6h27
